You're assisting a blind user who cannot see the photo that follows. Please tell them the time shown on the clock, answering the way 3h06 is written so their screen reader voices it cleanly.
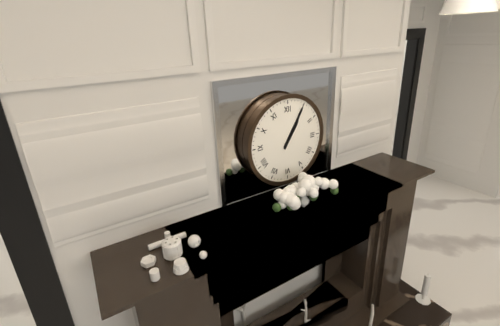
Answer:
1h05
